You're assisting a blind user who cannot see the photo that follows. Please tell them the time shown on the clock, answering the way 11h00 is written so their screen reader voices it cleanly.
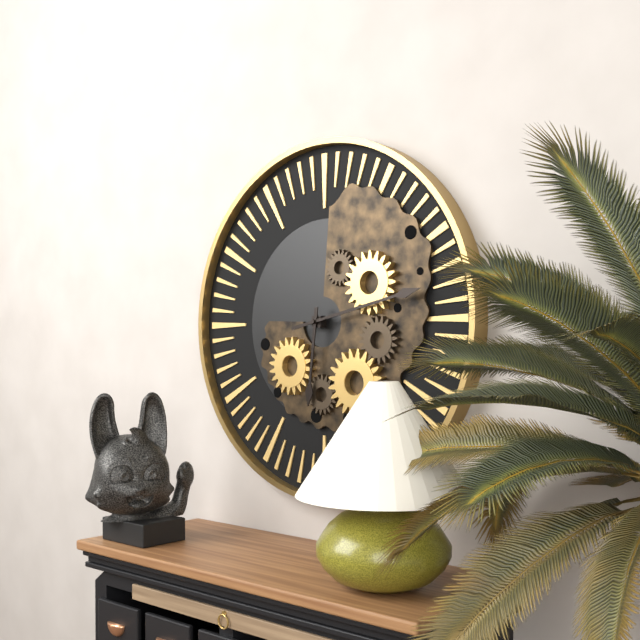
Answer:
6h13
